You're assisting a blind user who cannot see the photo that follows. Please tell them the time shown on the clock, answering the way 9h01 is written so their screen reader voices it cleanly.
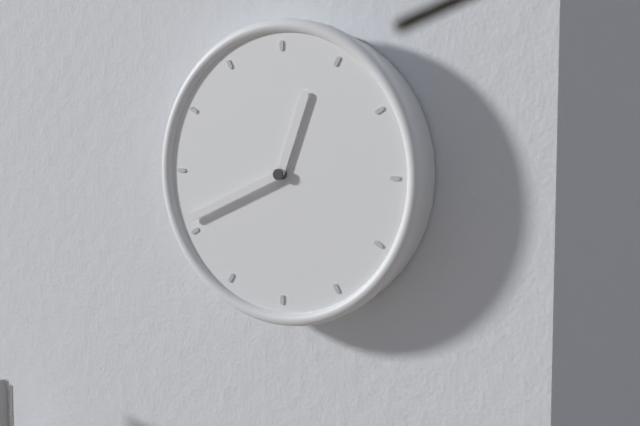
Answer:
12h41
